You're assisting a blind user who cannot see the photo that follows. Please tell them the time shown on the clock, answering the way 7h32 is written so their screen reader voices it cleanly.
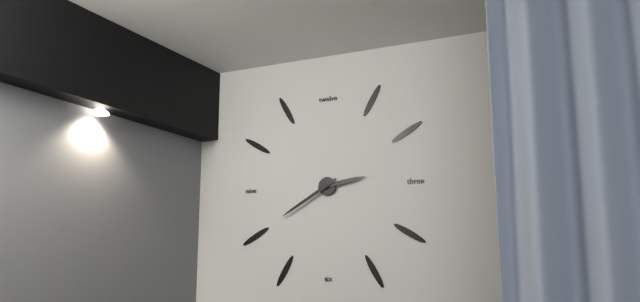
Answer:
2h40
